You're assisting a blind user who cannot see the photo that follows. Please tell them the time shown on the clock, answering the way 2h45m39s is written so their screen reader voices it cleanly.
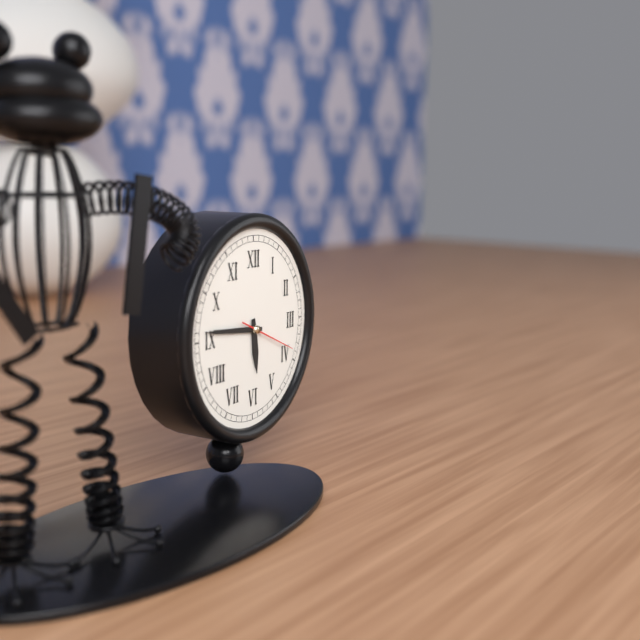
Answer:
5h46m19s
